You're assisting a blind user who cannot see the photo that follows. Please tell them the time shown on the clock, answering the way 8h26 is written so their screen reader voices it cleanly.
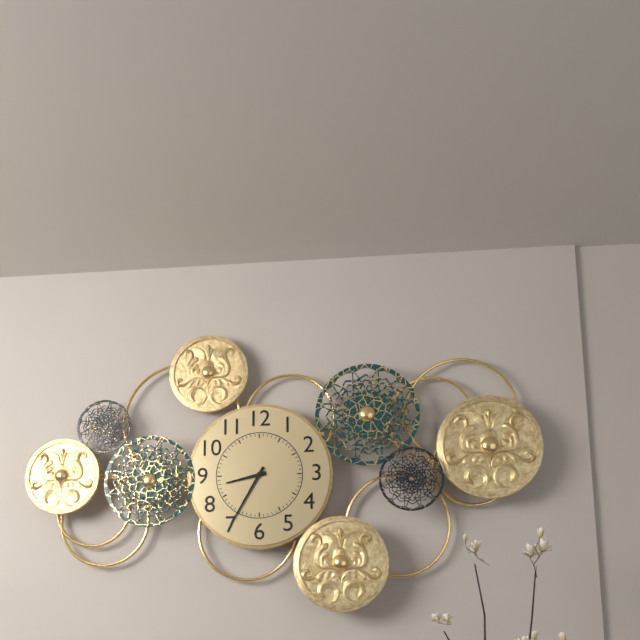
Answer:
8h35
